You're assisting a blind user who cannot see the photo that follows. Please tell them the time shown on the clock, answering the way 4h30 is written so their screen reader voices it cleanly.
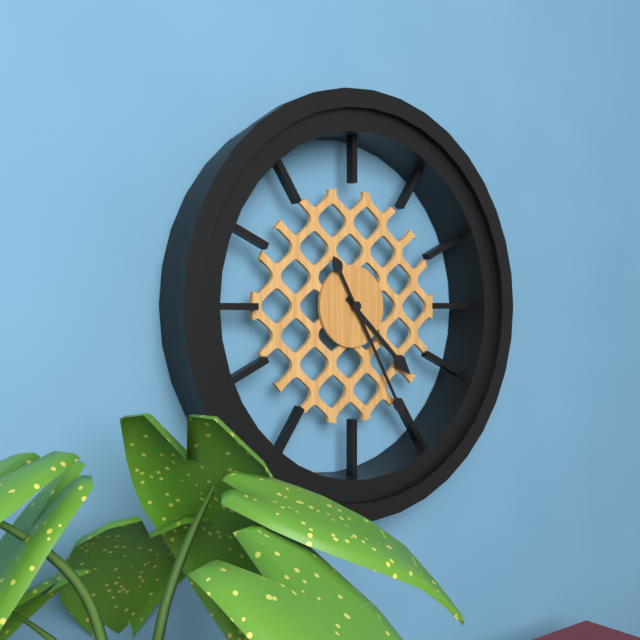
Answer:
4h25
